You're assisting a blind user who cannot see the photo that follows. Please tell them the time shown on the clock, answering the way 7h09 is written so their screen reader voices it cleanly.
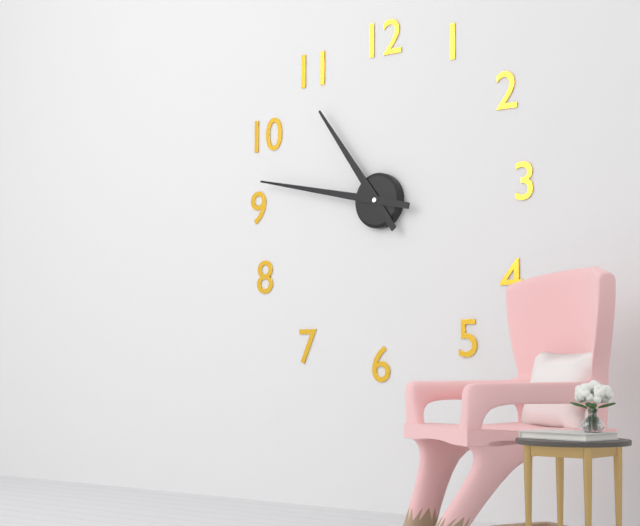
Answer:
10h47
